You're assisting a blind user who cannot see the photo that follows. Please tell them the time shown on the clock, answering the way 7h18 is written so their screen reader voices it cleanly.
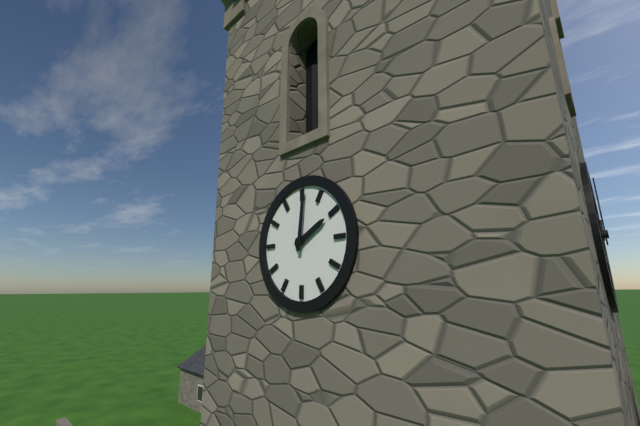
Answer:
2h01
